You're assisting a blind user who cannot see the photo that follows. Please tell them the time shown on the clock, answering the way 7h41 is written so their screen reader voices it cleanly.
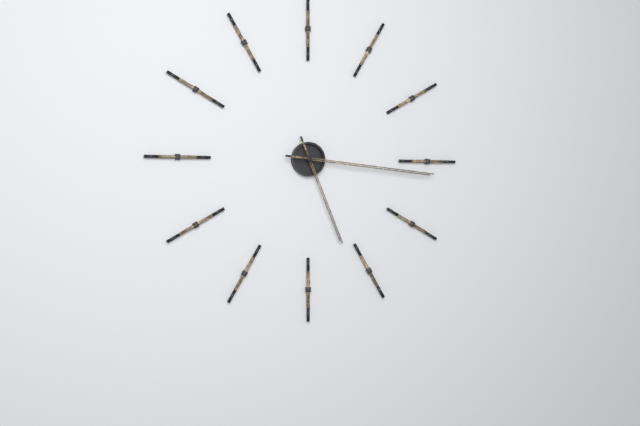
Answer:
5h16
